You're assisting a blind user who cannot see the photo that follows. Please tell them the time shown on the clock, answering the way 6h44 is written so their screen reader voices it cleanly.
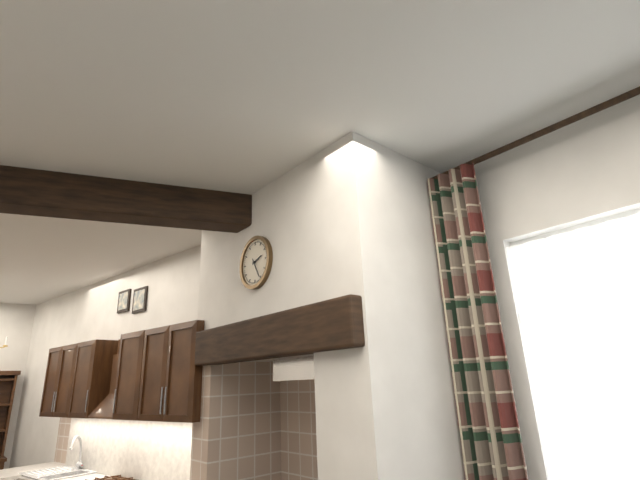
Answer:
2h25
